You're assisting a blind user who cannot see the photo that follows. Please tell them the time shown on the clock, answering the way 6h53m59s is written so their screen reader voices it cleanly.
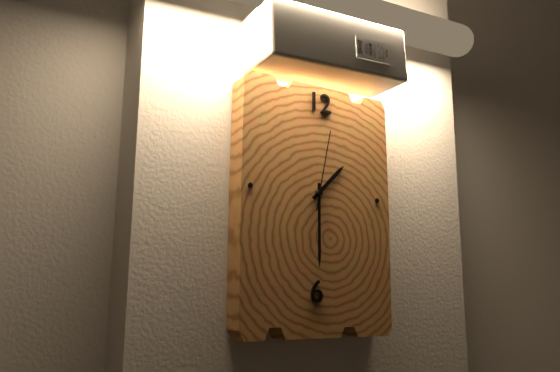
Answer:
1h30m02s
